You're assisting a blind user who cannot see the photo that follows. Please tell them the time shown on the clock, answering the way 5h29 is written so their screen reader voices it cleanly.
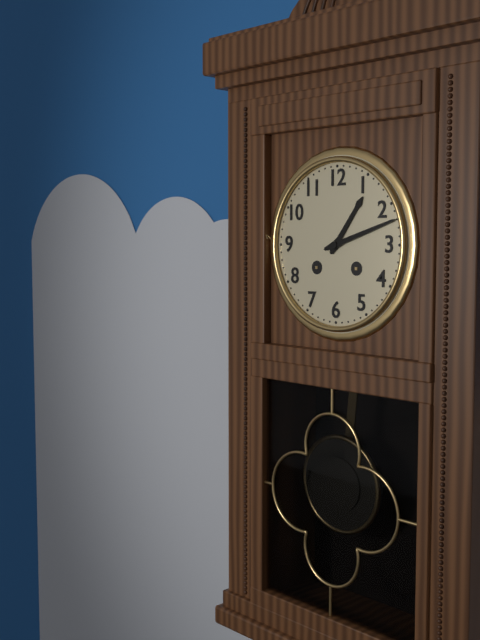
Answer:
1h12
